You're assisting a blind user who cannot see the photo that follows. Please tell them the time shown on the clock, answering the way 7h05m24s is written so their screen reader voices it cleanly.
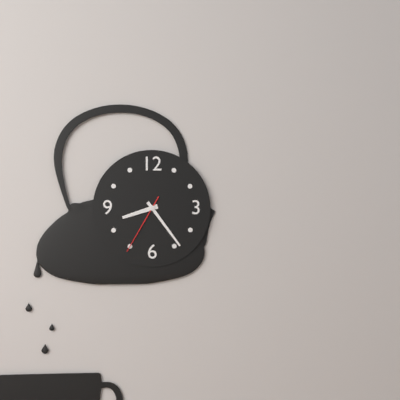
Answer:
8h24m35s
